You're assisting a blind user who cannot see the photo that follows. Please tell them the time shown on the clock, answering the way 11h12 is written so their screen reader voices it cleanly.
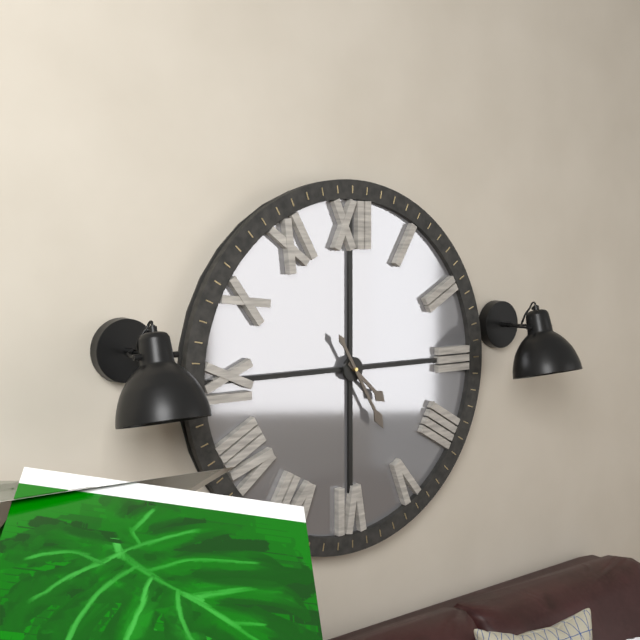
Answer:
4h25
